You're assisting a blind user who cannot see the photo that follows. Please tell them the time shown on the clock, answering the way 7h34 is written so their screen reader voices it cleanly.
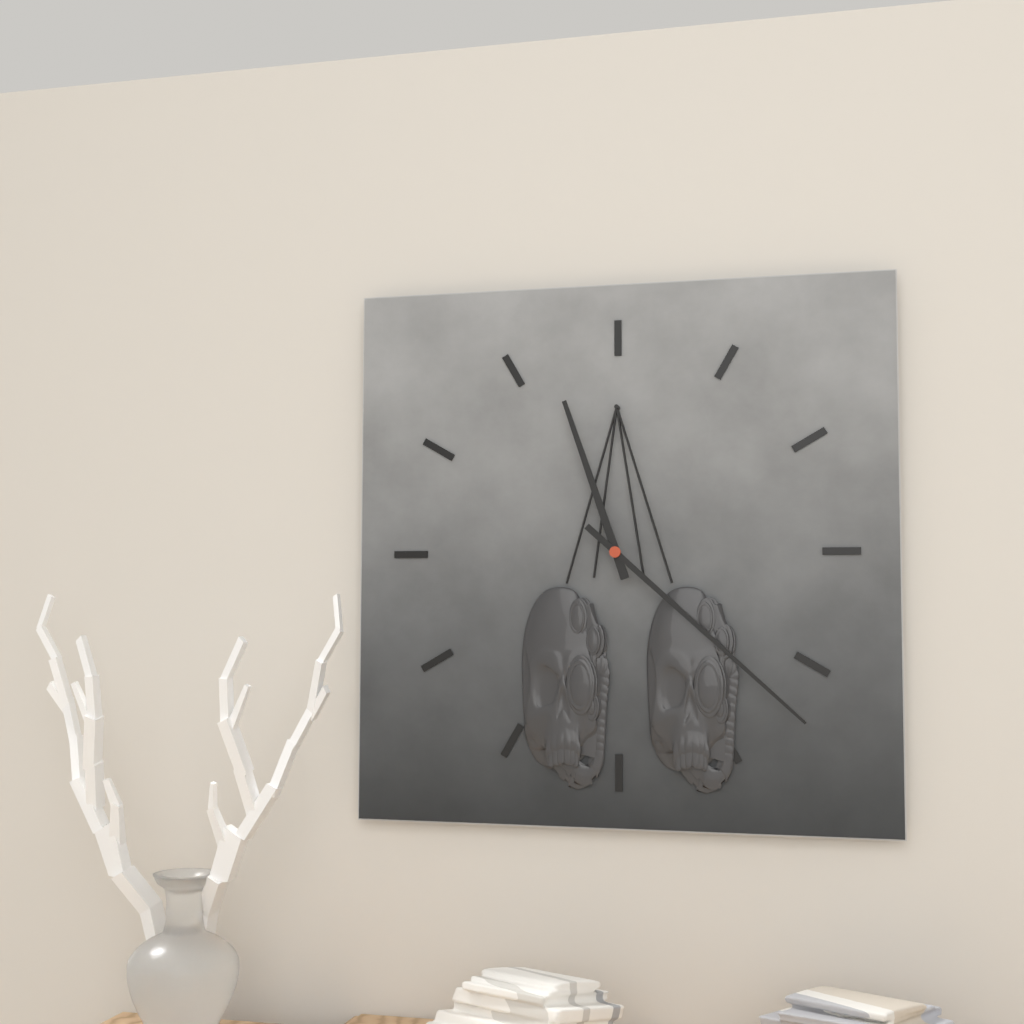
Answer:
11h22
